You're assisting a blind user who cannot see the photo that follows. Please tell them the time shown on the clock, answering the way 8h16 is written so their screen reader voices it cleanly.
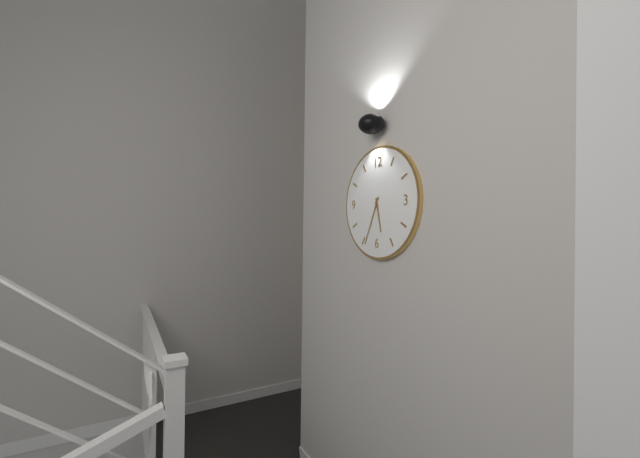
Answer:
5h34
